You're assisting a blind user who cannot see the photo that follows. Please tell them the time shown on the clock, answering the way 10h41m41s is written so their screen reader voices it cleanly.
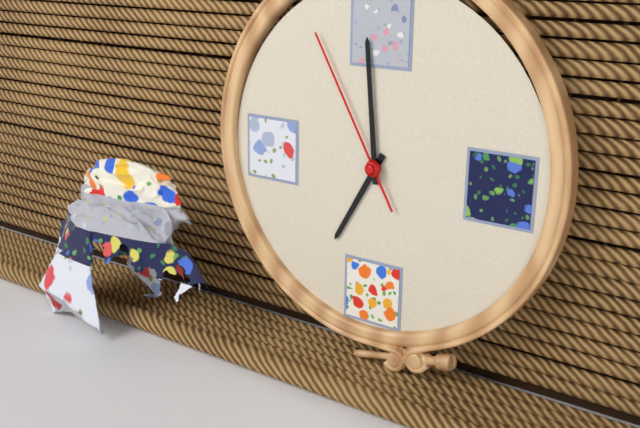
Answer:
6h59m55s
